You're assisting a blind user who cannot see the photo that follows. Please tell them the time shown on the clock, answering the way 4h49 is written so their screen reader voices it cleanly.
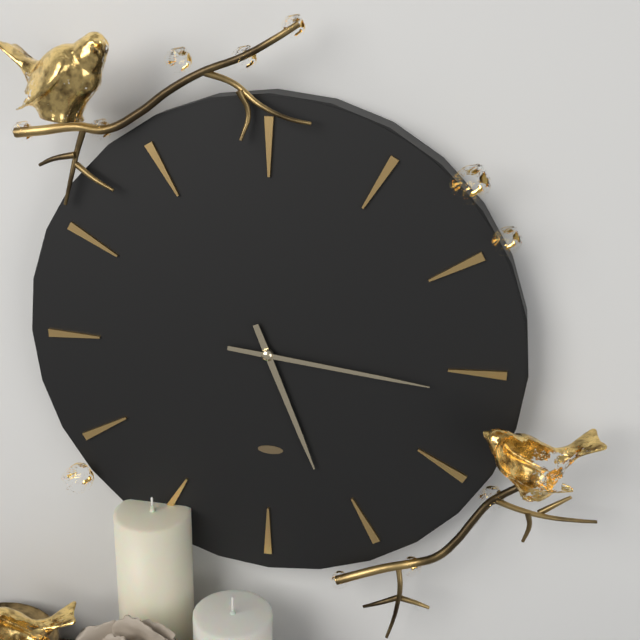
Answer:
5h16
